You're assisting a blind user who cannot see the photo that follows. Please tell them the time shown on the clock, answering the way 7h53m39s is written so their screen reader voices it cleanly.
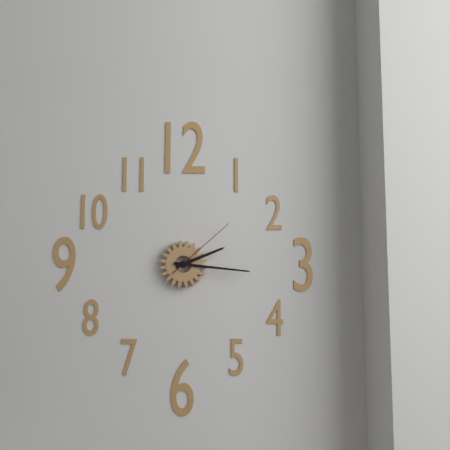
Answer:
2h16m08s
